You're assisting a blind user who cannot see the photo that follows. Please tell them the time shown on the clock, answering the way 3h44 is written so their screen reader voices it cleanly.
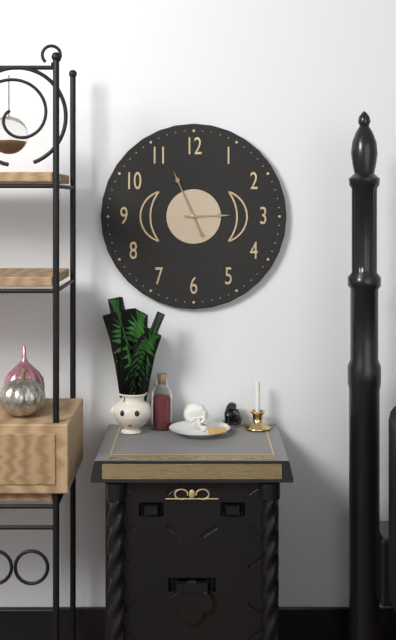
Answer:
2h56
